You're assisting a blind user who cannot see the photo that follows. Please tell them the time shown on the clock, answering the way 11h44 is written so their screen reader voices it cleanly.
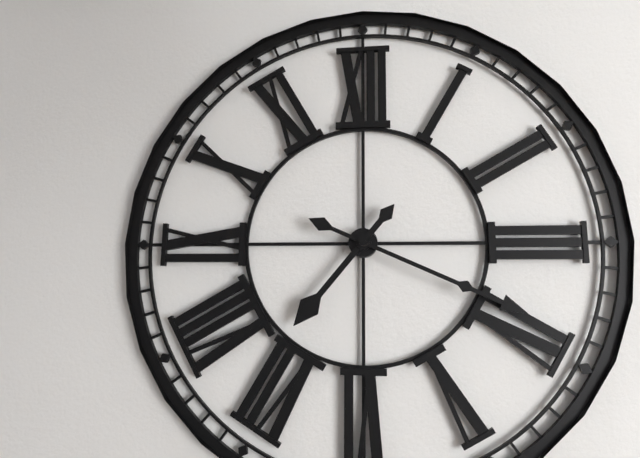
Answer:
7h19
